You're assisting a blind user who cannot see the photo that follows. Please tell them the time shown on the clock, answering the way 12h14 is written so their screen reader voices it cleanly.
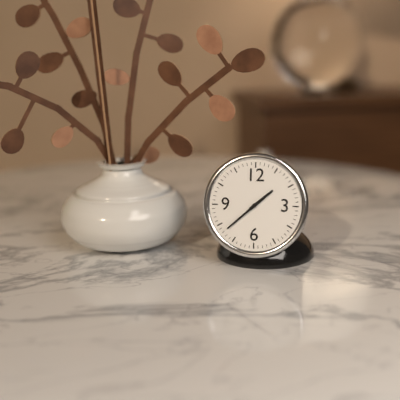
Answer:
1h38
